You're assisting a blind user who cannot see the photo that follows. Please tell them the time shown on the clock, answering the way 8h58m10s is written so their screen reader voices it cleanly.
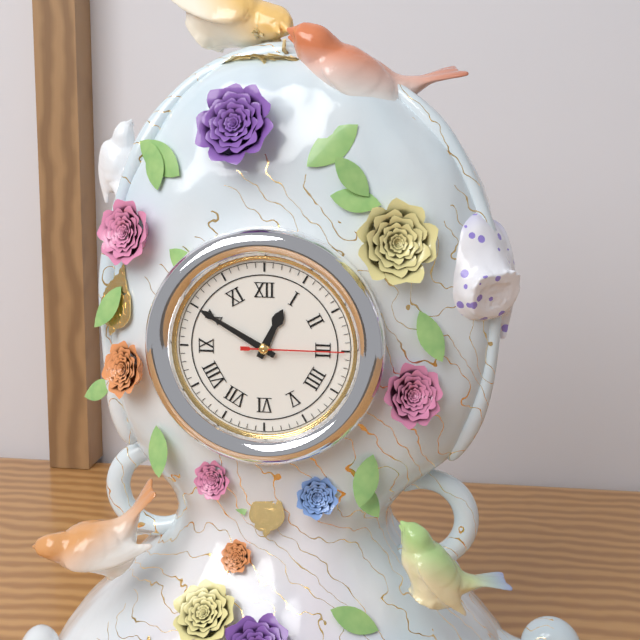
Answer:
12h50m15s
